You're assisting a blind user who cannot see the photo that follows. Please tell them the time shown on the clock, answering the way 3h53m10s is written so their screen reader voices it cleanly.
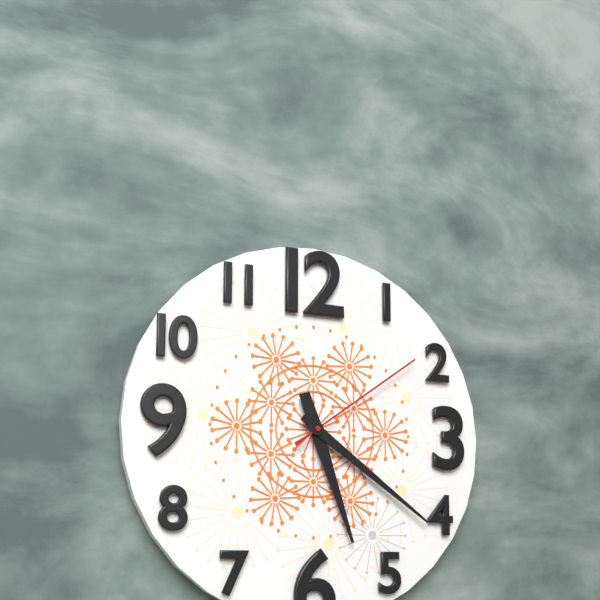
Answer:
5h21m09s
